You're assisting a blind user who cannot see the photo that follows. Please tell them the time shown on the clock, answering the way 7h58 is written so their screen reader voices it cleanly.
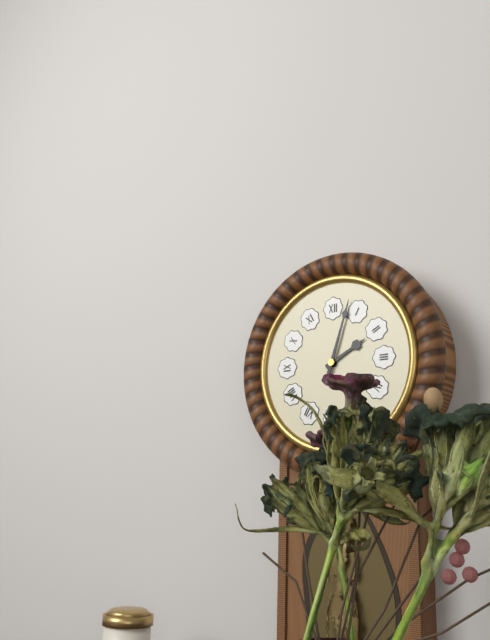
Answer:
2h03
